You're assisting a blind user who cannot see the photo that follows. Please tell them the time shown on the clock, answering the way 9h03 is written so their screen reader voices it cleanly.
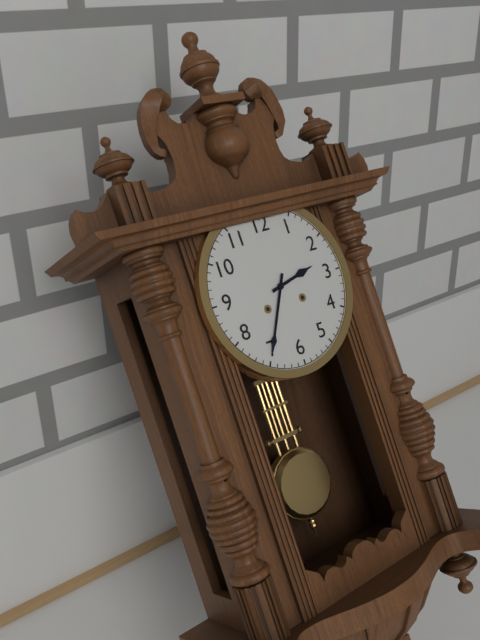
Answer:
2h35
